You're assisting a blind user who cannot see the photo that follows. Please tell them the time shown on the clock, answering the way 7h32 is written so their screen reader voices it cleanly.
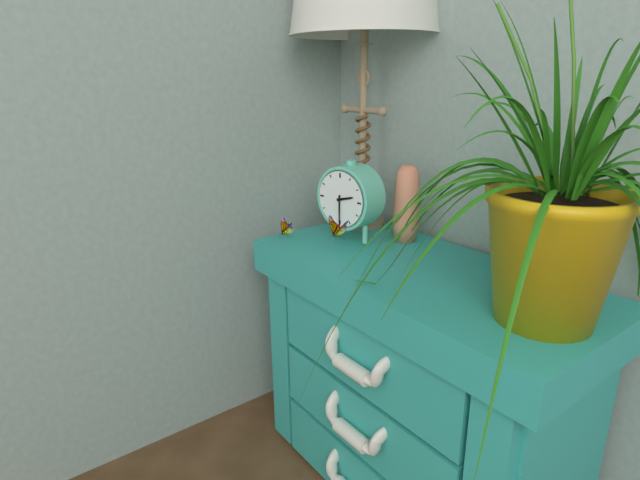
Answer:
2h30
